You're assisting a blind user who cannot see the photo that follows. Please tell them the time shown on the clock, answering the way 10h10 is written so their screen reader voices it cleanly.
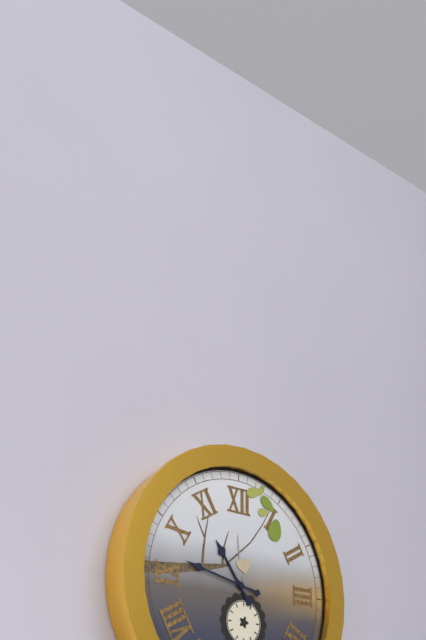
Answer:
10h47
